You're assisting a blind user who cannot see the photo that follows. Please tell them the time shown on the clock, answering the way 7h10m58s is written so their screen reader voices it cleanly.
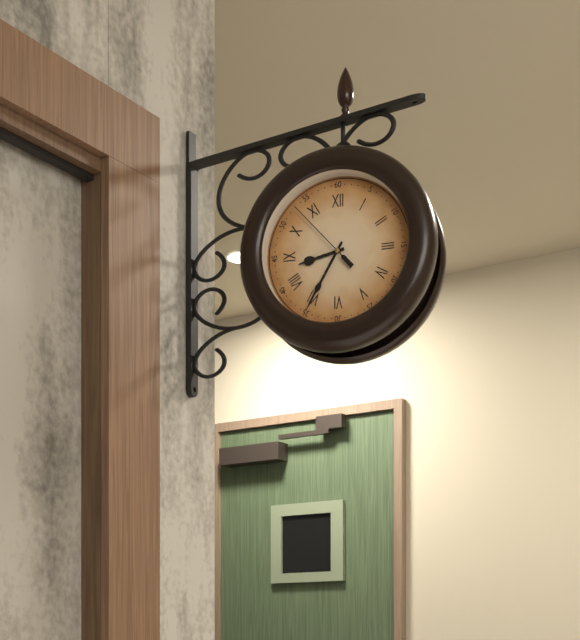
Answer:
8h35m53s
